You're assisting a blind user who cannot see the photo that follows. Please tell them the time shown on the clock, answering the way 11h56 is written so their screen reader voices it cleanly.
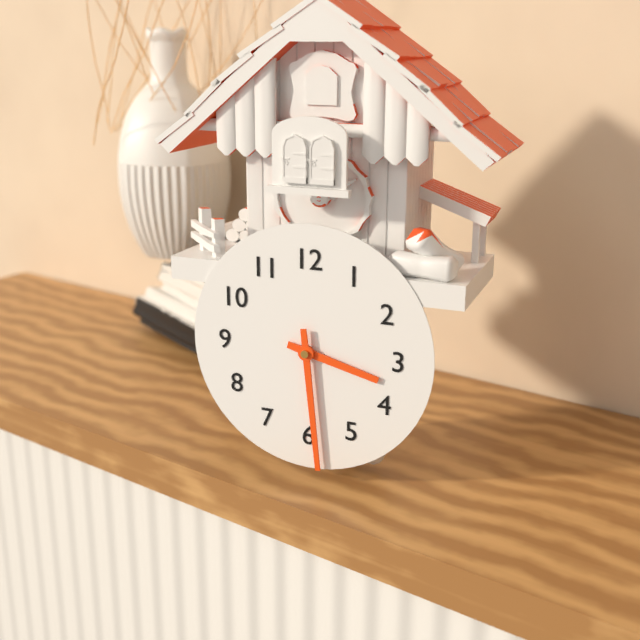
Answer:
3h29
